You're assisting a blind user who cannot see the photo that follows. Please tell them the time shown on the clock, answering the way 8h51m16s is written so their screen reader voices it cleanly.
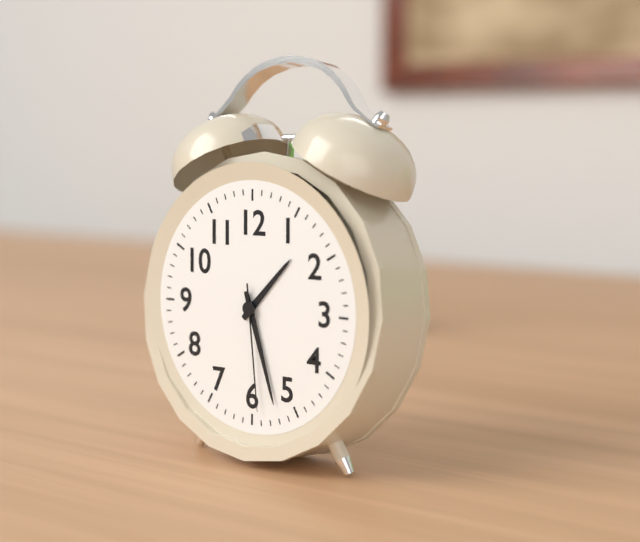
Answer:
1h27m29s
